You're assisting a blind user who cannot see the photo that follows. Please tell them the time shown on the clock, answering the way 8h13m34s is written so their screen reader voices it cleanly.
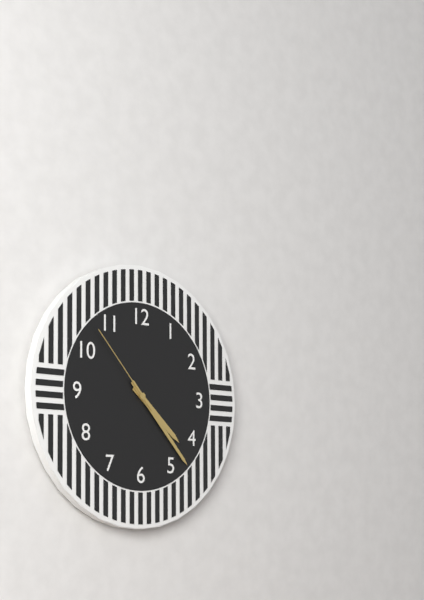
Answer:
4h23m53s
